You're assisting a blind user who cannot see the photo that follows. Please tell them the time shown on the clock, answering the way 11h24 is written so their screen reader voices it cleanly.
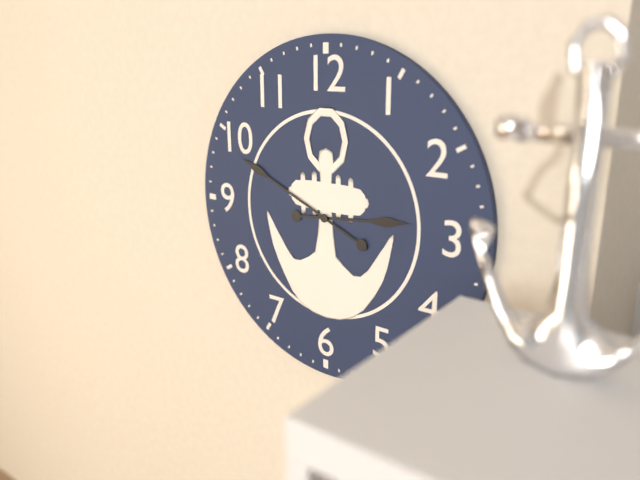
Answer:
2h49
